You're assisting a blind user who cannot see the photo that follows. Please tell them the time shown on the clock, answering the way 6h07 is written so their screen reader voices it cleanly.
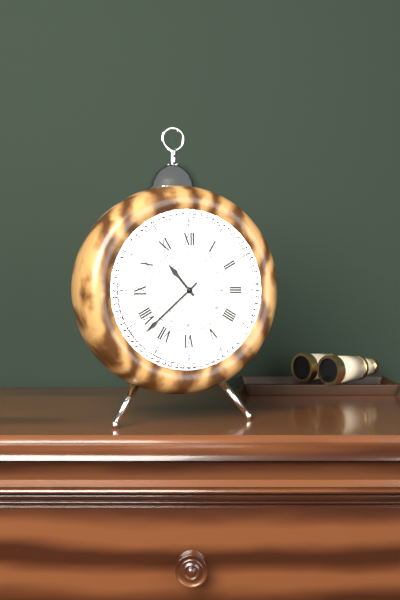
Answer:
10h38
